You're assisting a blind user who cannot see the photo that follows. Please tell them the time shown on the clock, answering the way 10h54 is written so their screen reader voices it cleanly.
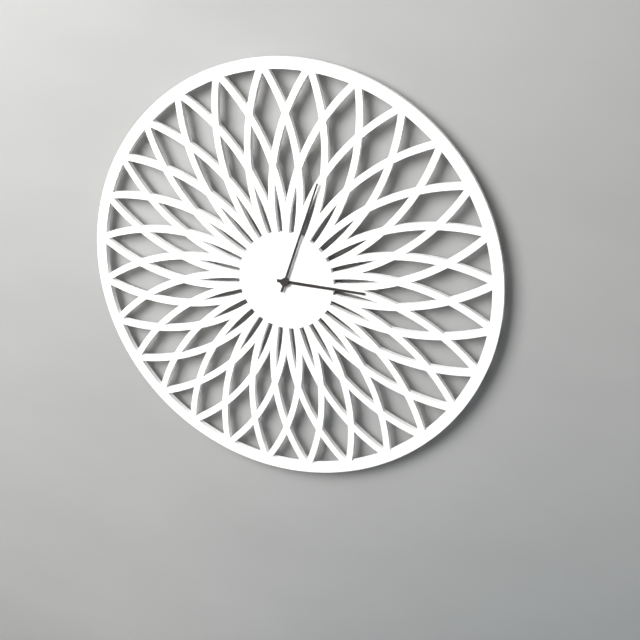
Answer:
3h03
